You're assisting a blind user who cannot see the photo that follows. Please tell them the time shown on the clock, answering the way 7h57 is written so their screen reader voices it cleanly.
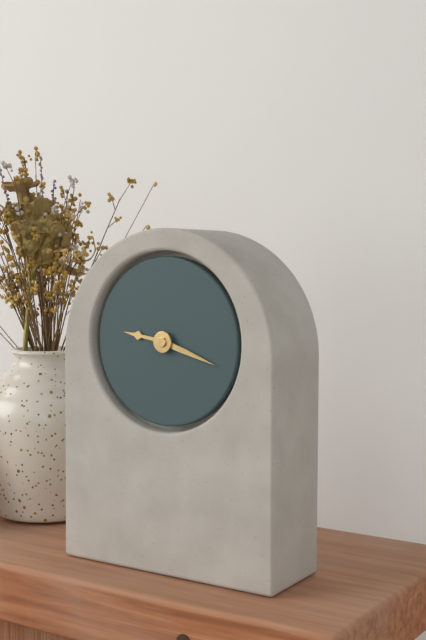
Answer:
9h18
